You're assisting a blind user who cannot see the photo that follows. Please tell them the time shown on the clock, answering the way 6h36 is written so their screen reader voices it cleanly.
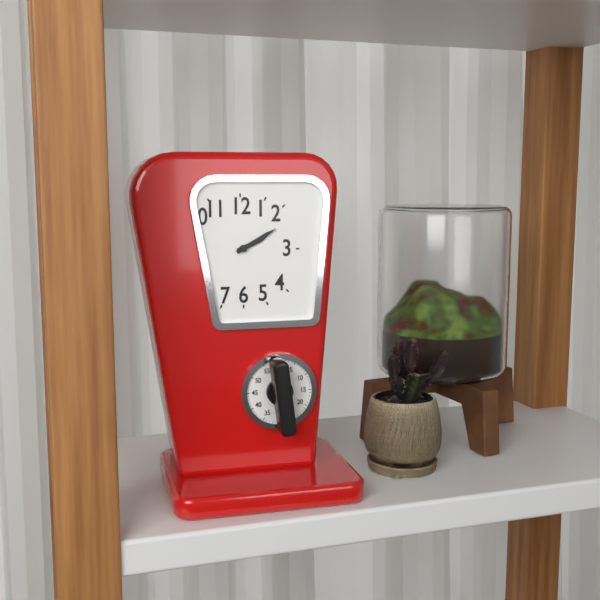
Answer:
2h10
